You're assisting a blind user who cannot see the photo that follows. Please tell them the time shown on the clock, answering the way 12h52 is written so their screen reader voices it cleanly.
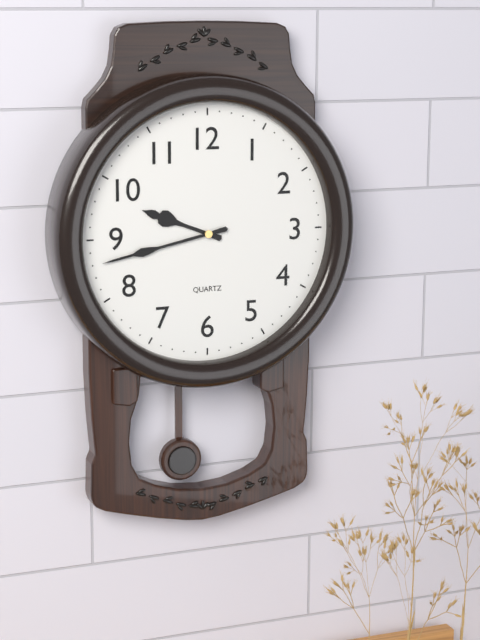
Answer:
9h43
